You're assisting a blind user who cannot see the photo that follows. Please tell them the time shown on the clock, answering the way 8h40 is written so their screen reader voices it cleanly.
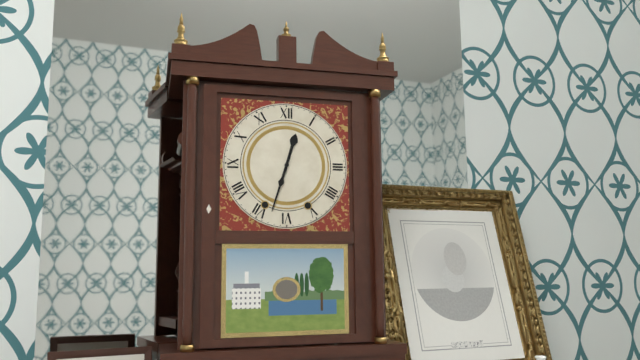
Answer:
12h33
